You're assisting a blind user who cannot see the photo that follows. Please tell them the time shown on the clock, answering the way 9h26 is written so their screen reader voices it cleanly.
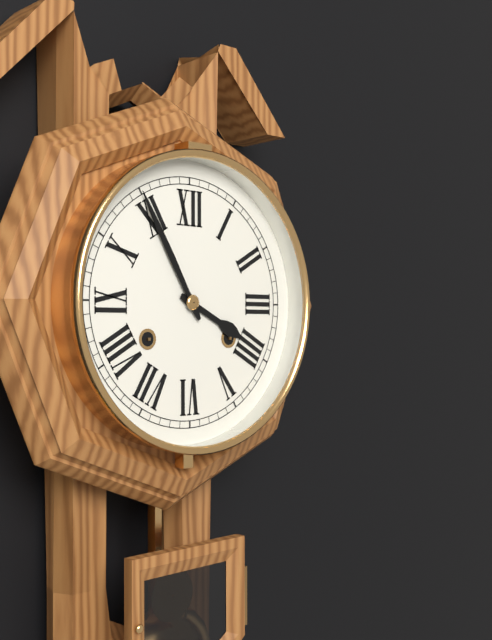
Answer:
3h55
